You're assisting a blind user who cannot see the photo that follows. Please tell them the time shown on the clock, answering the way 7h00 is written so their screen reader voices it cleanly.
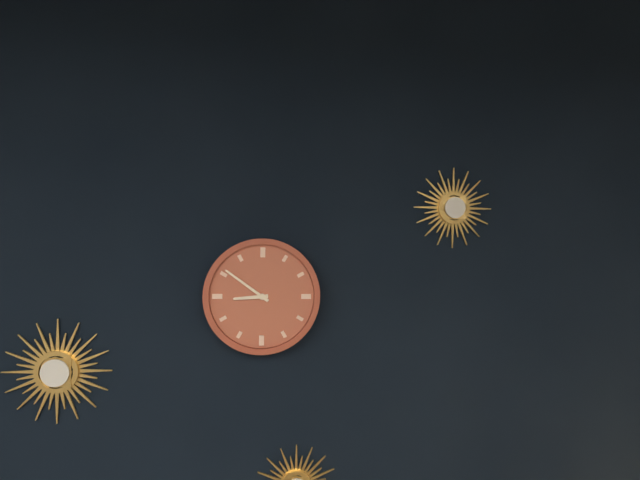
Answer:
8h51
